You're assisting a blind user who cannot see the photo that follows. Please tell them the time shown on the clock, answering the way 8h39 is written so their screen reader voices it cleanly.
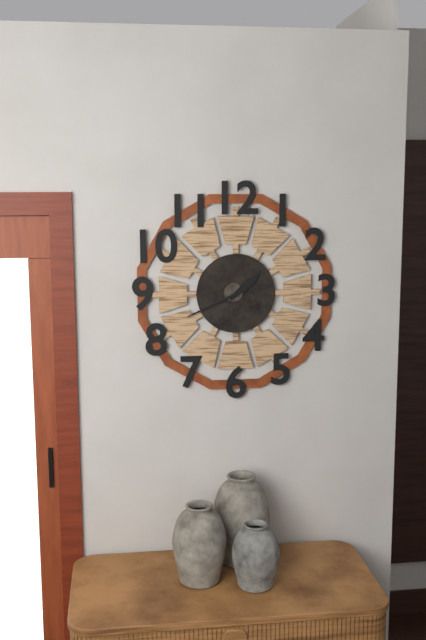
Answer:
1h41
